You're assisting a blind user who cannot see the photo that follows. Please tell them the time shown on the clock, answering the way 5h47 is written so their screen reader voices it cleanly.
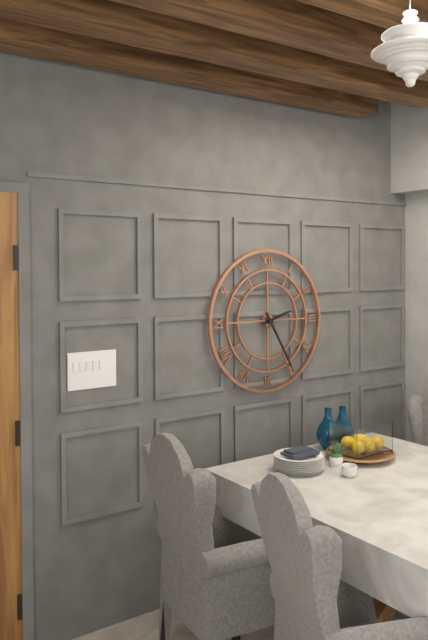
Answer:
2h25
